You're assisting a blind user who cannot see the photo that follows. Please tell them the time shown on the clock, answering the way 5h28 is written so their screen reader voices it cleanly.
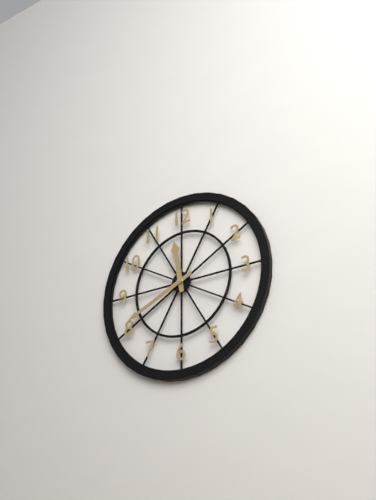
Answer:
11h41
